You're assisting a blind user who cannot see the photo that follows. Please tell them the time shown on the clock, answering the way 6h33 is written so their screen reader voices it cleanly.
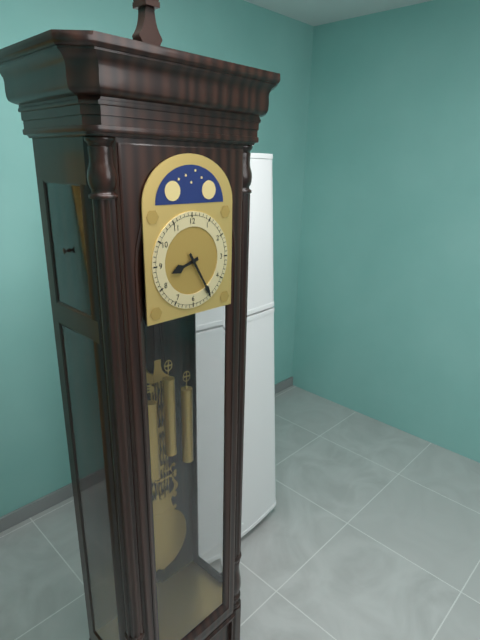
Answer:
8h25
